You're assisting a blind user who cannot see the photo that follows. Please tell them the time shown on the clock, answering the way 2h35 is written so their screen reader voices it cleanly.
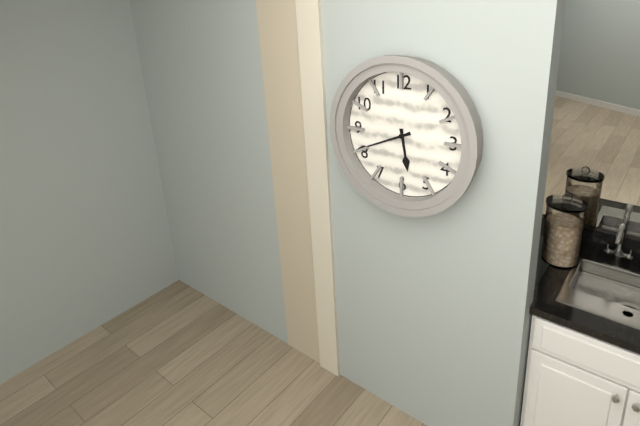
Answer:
5h41
